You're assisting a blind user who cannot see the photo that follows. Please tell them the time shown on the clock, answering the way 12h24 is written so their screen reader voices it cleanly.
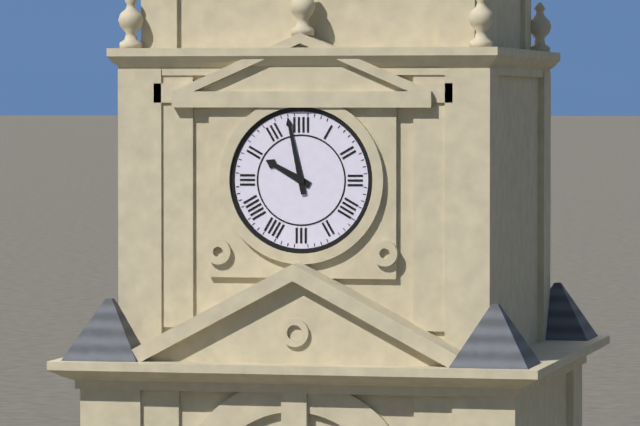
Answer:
9h58
